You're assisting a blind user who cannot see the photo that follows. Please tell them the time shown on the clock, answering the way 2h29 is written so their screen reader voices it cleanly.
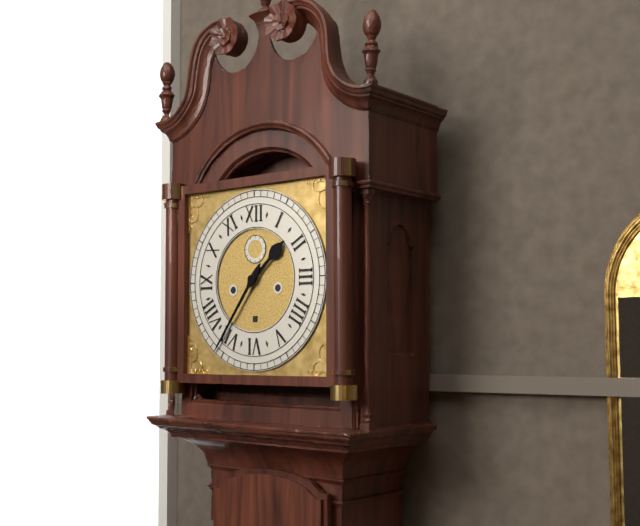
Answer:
1h36
